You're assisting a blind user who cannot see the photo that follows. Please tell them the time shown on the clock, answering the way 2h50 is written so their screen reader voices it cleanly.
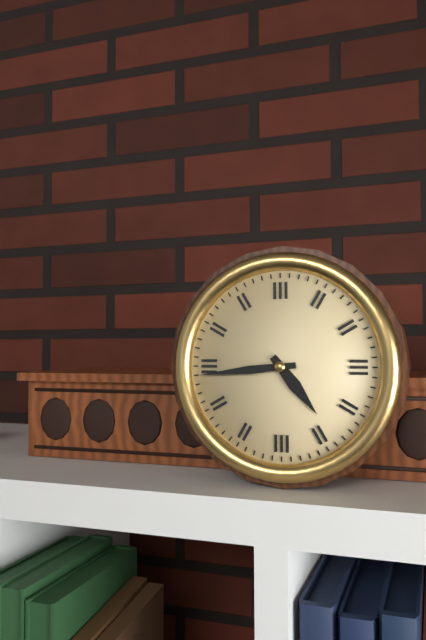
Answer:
4h44
